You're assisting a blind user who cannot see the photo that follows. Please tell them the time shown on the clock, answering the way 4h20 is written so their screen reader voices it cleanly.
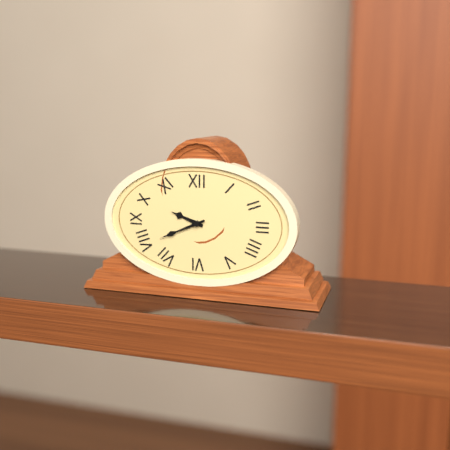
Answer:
9h41
